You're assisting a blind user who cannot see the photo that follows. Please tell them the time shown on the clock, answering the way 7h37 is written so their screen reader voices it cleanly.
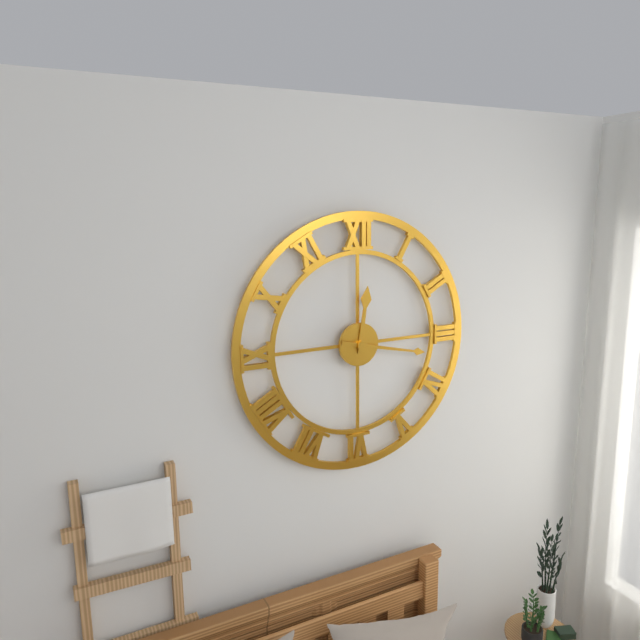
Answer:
12h17
